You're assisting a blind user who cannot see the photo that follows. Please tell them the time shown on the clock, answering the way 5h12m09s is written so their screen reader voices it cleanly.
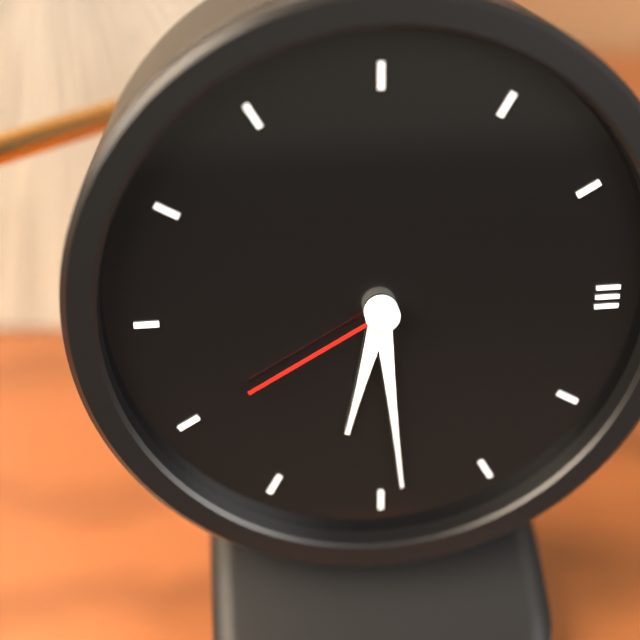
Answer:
6h29m40s
